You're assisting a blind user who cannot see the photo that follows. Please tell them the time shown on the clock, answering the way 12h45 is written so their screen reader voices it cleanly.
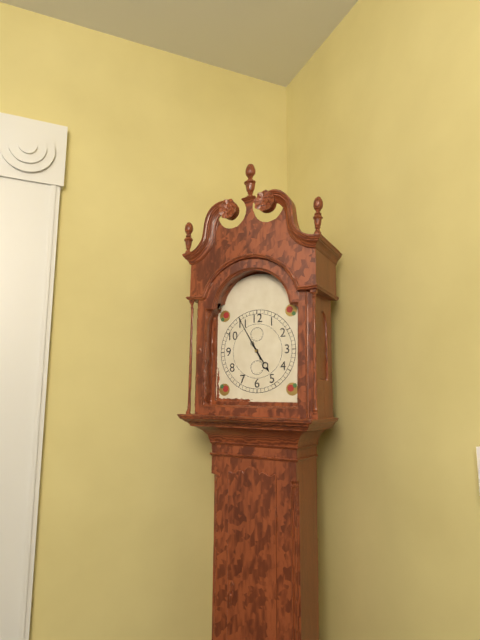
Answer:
4h55
